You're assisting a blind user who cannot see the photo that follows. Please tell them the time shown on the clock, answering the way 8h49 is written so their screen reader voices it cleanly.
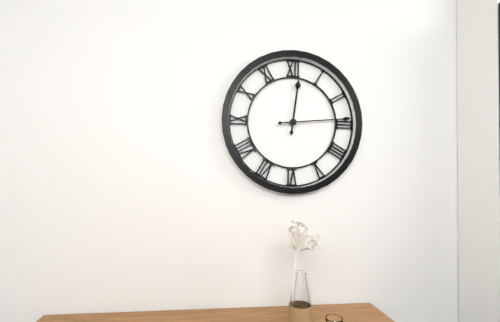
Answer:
12h14
